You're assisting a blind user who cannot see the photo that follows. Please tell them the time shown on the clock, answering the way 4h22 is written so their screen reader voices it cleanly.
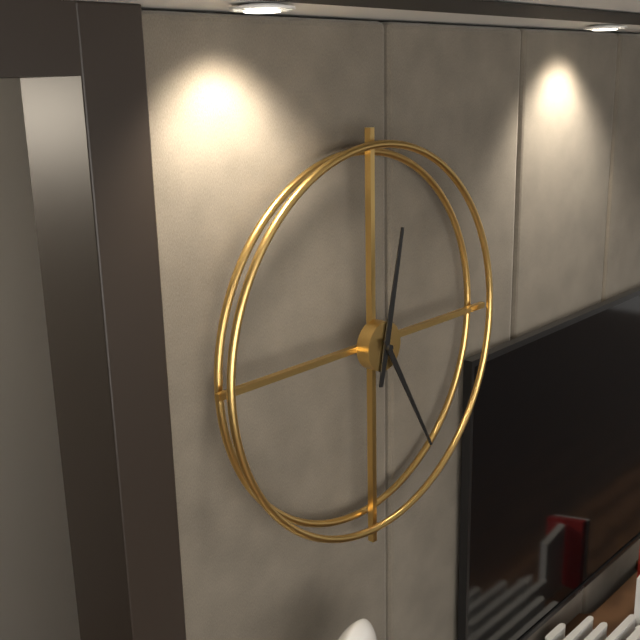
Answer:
12h25
